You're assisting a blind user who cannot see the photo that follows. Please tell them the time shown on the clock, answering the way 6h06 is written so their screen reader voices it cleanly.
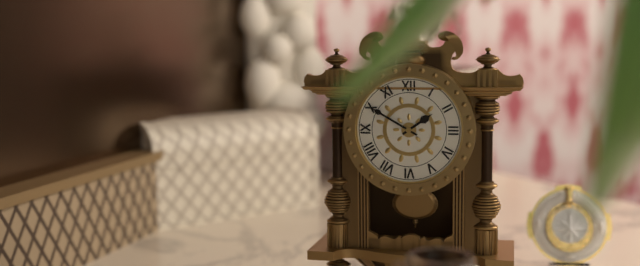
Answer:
1h50
